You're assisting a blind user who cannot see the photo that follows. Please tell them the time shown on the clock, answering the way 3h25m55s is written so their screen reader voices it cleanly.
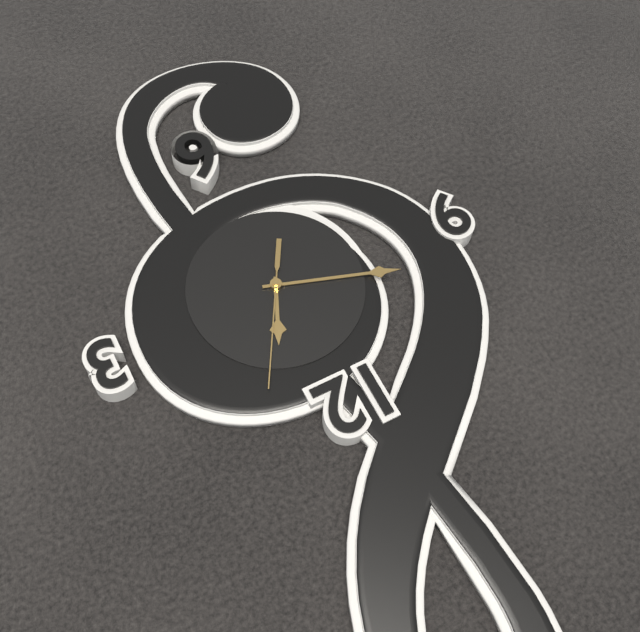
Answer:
12h48m05s
